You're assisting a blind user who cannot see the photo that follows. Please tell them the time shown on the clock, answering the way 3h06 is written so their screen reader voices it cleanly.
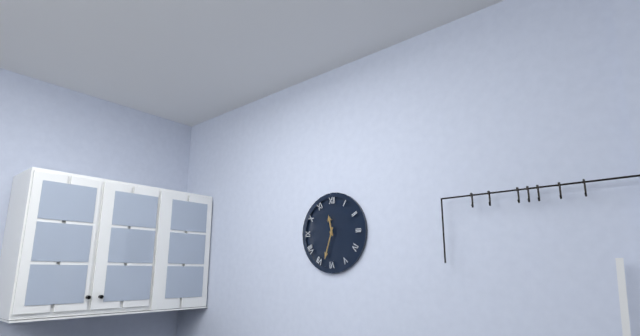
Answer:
11h33
